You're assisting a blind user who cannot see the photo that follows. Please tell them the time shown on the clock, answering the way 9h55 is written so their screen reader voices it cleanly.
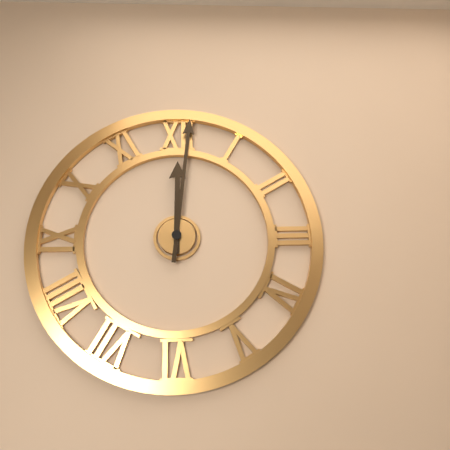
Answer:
12h01
